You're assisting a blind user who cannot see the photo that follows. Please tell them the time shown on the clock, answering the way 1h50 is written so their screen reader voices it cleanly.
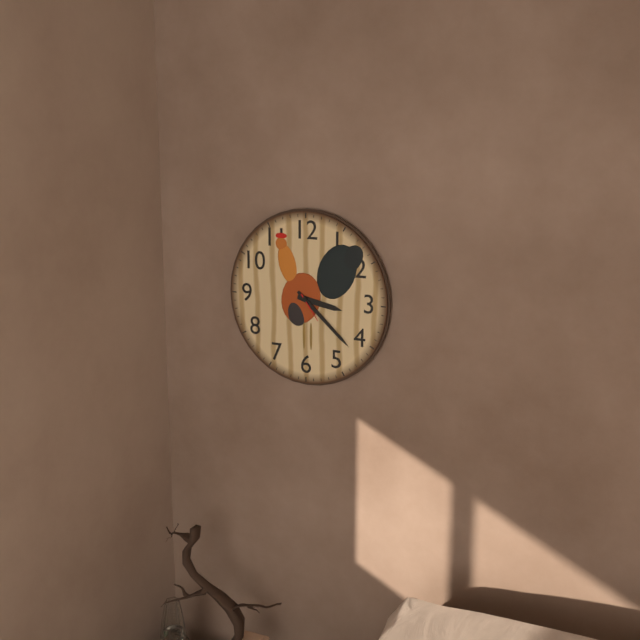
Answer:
3h22
